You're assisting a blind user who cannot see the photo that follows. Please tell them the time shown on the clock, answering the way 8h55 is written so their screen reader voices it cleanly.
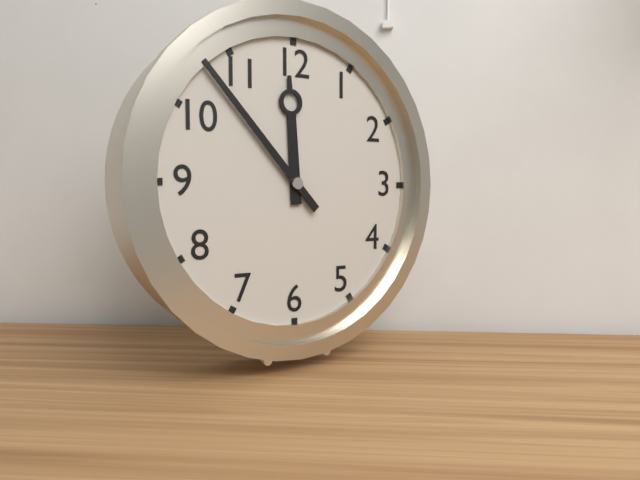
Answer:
11h53
